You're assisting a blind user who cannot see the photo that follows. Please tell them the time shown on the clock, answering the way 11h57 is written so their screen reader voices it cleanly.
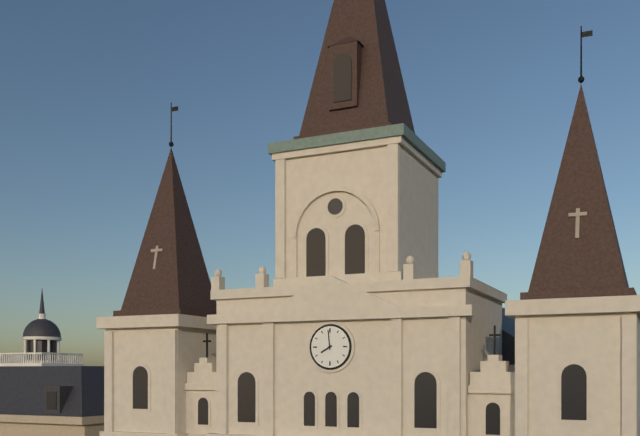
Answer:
7h59
